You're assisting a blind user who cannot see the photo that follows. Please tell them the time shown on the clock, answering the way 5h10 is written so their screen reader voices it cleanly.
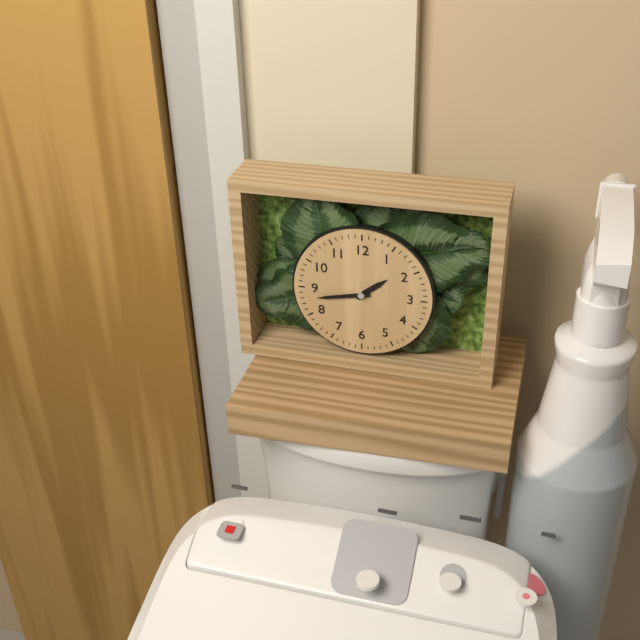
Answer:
1h43
